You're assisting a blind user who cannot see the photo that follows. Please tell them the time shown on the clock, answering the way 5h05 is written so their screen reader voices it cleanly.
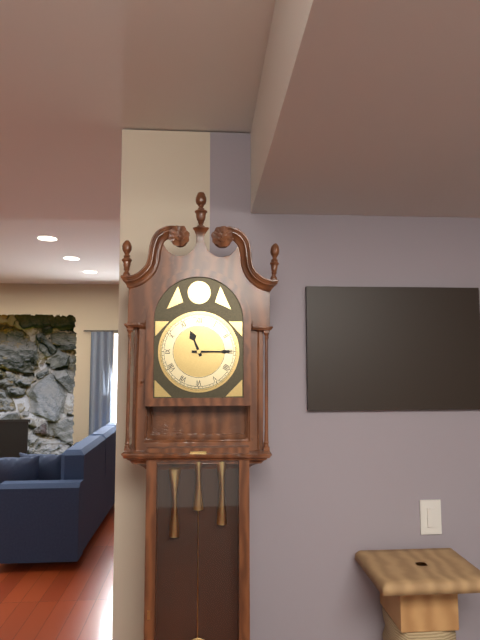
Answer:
11h15
